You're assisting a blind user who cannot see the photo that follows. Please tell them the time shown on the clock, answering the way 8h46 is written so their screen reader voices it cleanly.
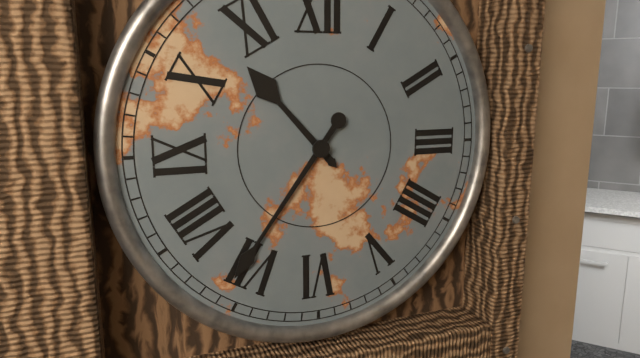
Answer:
10h36
